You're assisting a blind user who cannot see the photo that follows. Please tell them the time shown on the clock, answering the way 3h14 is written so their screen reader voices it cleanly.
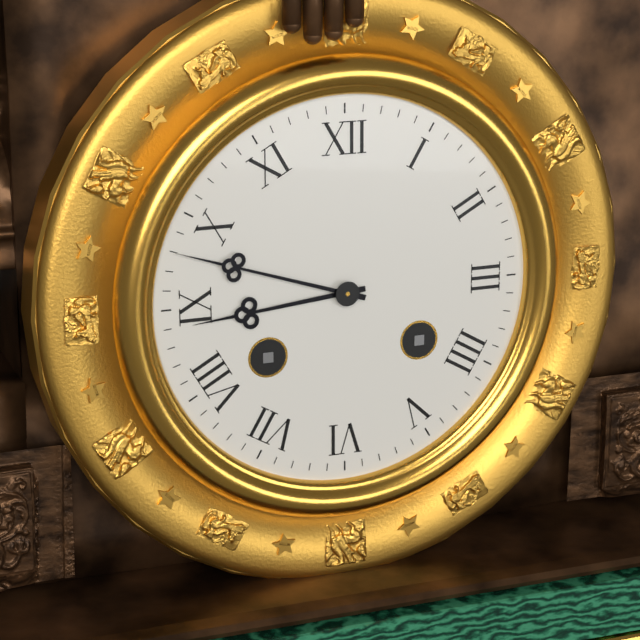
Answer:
8h48
